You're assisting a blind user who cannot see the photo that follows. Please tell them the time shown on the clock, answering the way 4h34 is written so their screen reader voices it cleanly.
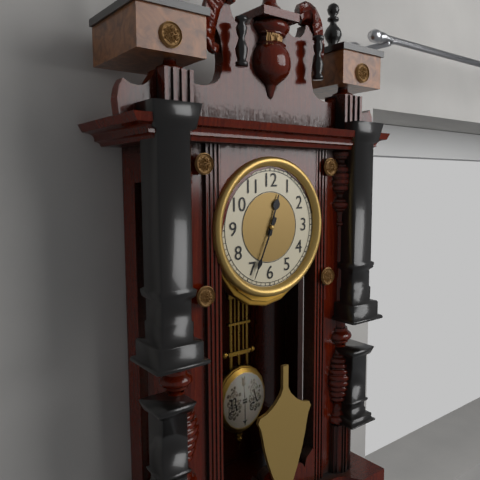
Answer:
12h34
